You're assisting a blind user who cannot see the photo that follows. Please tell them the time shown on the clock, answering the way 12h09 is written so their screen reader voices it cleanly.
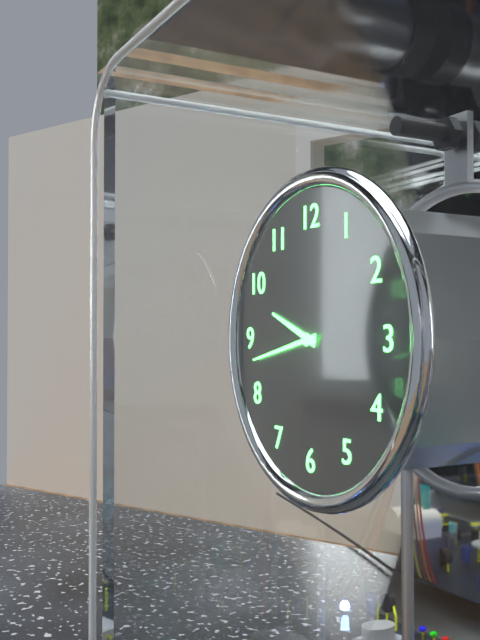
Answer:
9h43
